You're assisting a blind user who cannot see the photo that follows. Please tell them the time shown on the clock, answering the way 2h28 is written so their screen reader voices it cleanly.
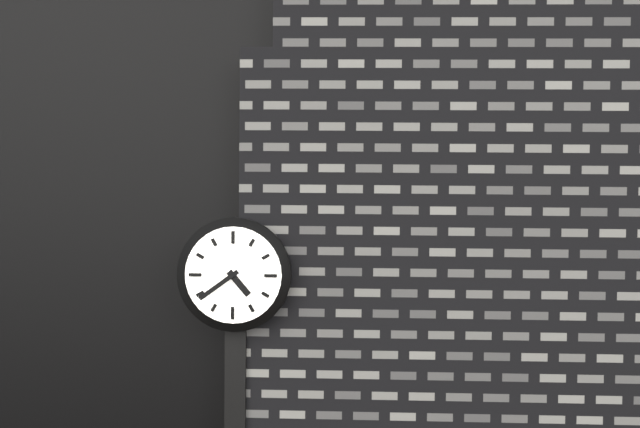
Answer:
4h39
